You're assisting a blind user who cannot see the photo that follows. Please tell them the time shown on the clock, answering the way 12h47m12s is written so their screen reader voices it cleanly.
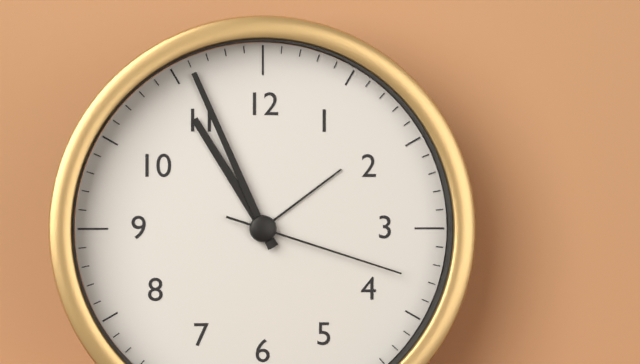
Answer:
10h56m18s
